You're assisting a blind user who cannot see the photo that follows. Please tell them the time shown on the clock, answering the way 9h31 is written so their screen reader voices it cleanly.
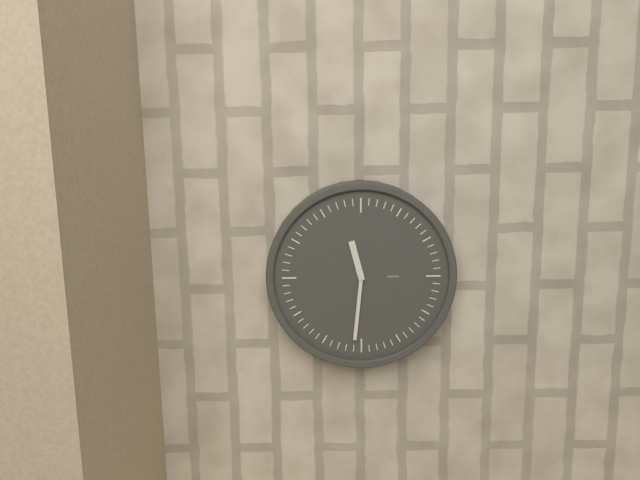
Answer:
11h31
